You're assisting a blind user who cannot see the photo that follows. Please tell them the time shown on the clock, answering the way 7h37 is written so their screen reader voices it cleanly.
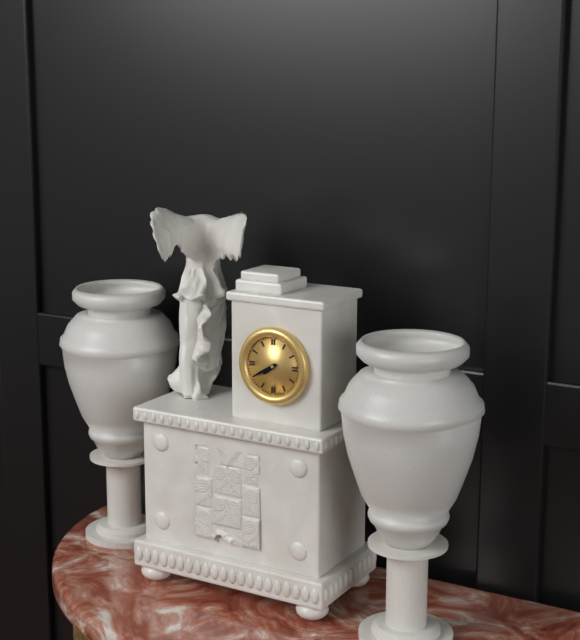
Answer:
7h40
